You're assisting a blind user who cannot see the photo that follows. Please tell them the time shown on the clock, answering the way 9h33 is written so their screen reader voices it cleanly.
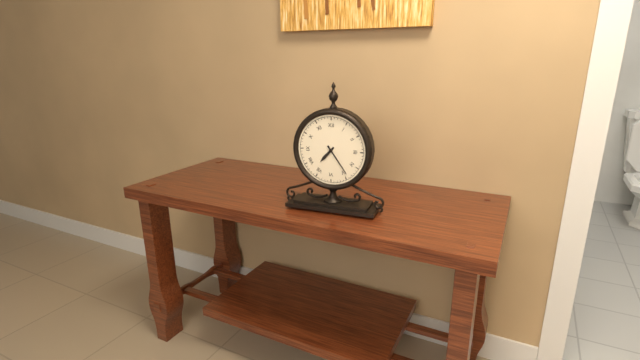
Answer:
7h24
